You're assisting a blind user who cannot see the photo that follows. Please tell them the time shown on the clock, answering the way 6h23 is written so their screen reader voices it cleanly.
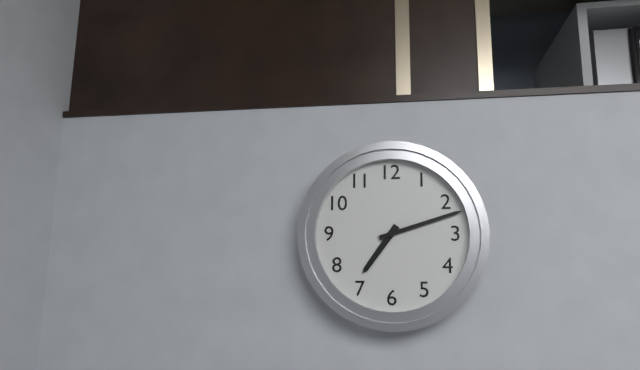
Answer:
7h12
